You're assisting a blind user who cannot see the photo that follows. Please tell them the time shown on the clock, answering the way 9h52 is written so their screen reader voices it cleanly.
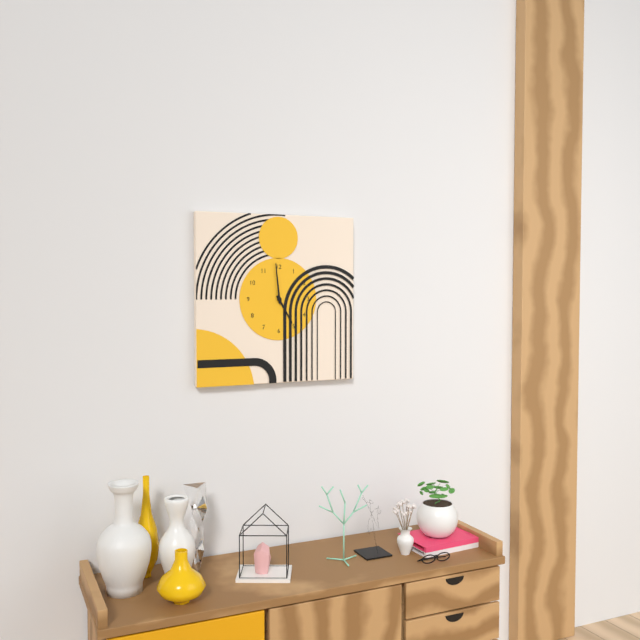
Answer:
4h59
